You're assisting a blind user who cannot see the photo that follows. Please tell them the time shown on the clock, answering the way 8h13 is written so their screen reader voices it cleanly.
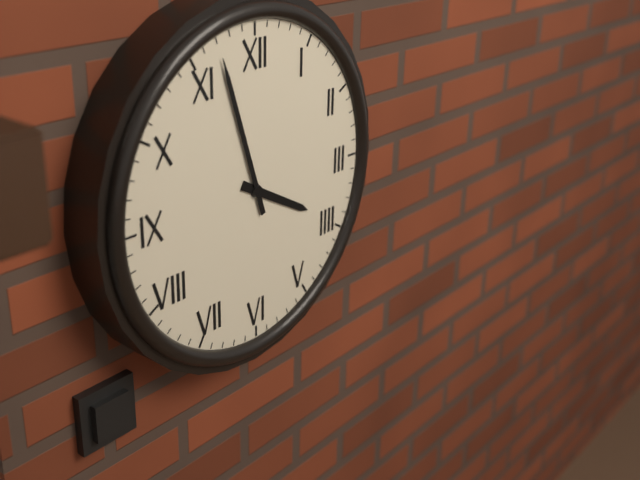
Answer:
3h57
